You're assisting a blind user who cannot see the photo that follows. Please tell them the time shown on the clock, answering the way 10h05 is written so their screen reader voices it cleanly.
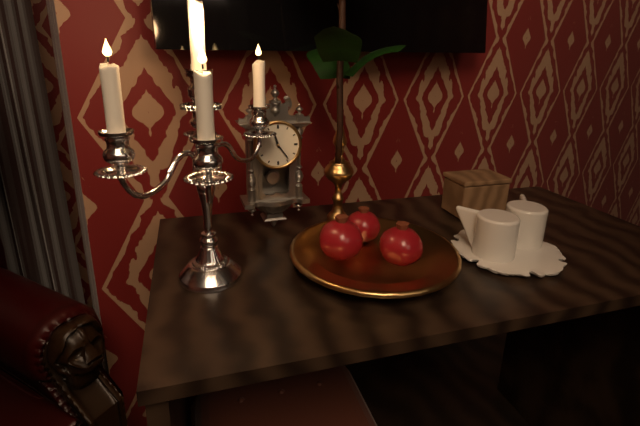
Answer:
11h24
